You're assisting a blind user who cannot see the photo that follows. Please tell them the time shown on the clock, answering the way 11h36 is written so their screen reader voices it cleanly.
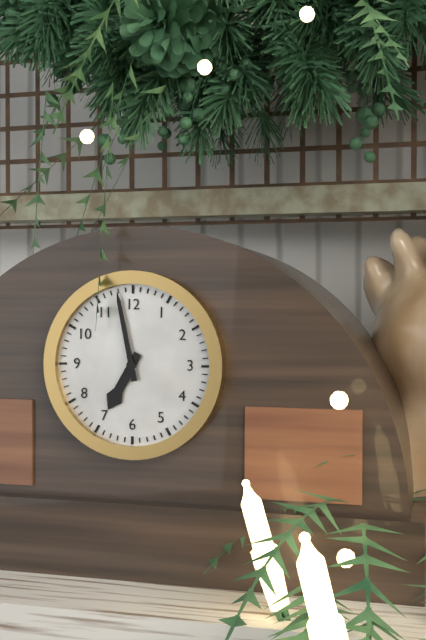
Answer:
6h58
